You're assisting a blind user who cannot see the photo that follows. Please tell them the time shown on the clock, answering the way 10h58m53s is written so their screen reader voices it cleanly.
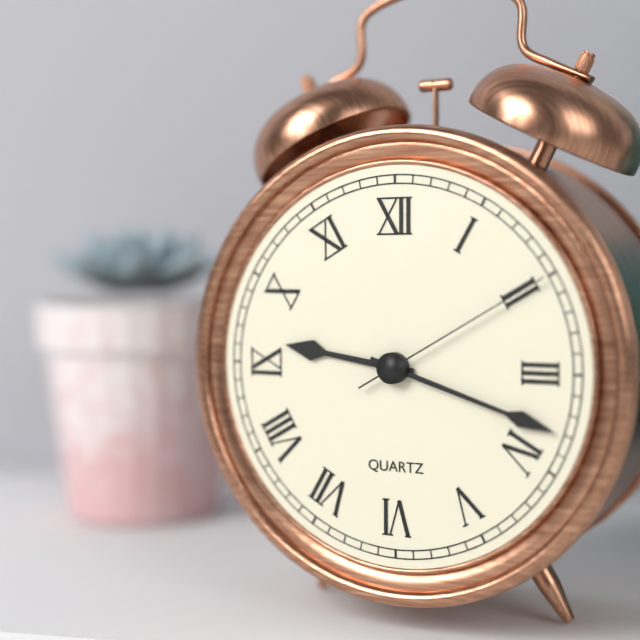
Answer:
9h18m10s
